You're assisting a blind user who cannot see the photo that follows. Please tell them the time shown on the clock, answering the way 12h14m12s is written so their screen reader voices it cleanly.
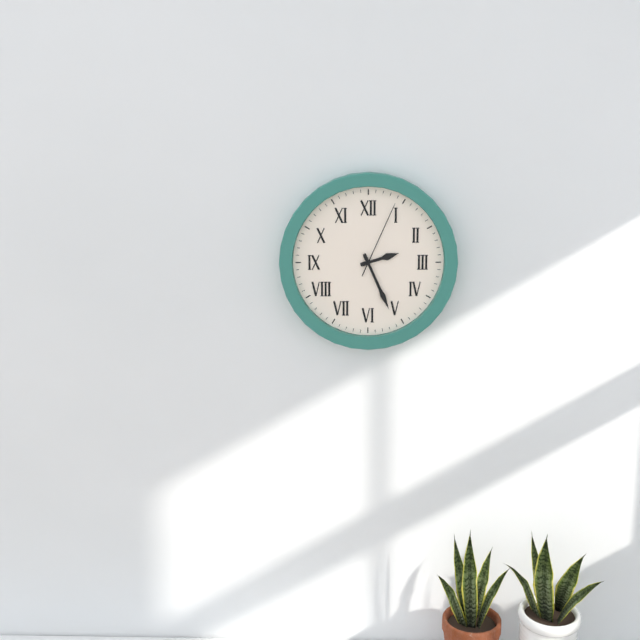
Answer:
2h26m04s
